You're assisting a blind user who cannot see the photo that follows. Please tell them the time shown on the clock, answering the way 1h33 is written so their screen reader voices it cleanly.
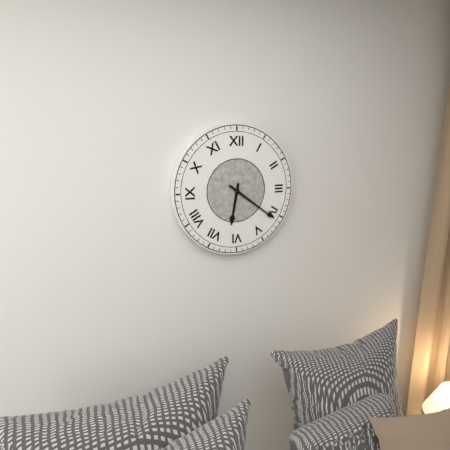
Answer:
6h21
